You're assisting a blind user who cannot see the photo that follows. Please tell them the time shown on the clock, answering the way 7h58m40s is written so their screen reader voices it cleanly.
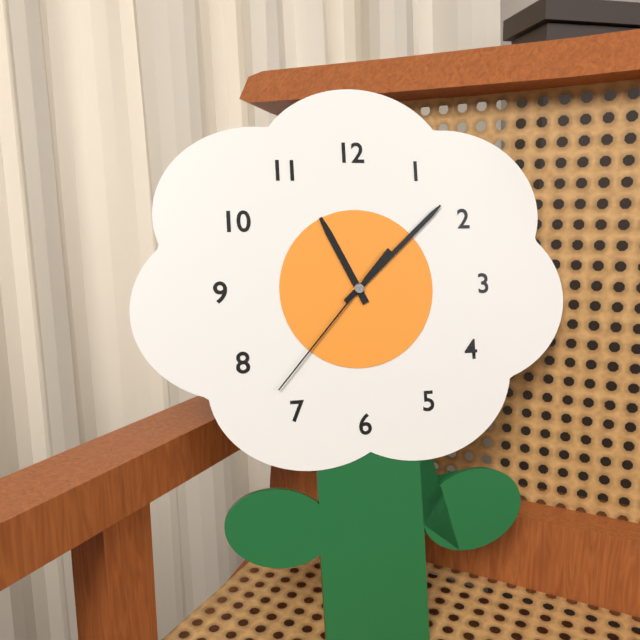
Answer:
11h08m37s
